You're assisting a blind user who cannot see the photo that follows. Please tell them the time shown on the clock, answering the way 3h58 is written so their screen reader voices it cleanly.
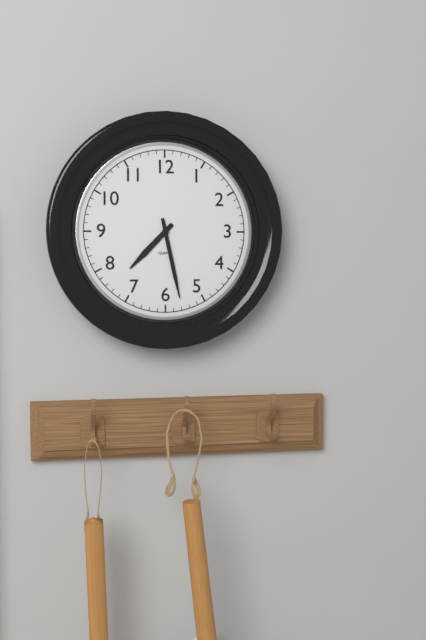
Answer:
7h28
